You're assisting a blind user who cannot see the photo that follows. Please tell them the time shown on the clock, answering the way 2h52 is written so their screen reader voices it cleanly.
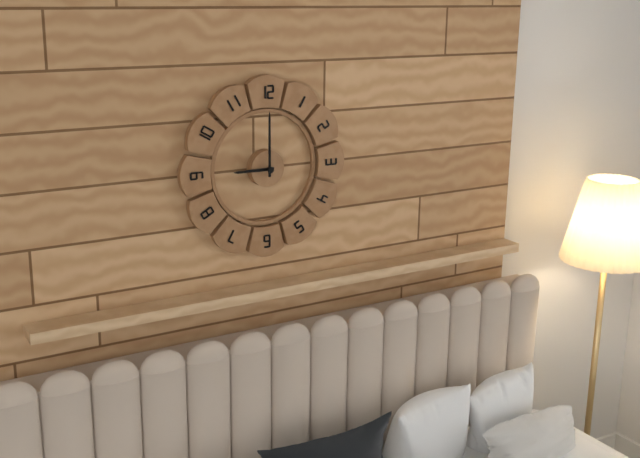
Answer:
9h00
